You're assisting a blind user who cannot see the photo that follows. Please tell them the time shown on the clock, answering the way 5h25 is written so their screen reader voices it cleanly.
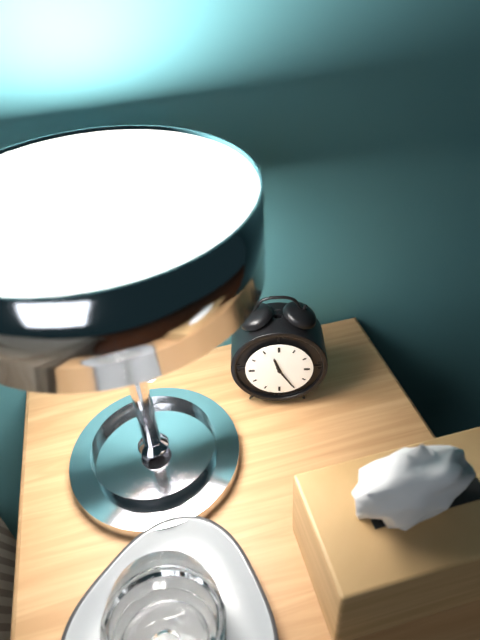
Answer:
11h25
